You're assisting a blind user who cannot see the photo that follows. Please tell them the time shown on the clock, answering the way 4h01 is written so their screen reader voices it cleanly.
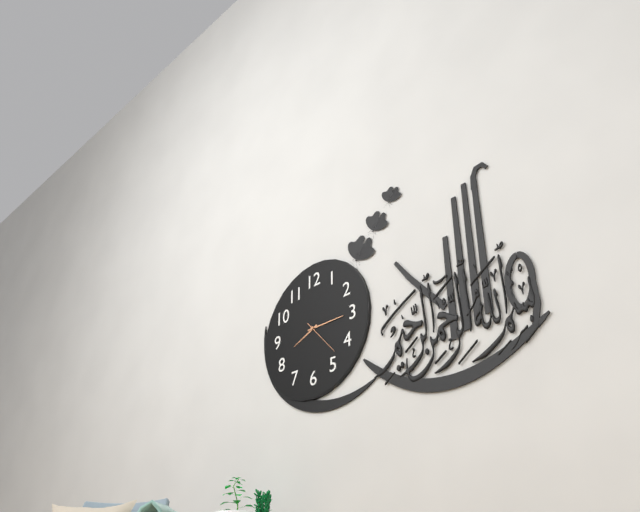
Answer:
8h15
